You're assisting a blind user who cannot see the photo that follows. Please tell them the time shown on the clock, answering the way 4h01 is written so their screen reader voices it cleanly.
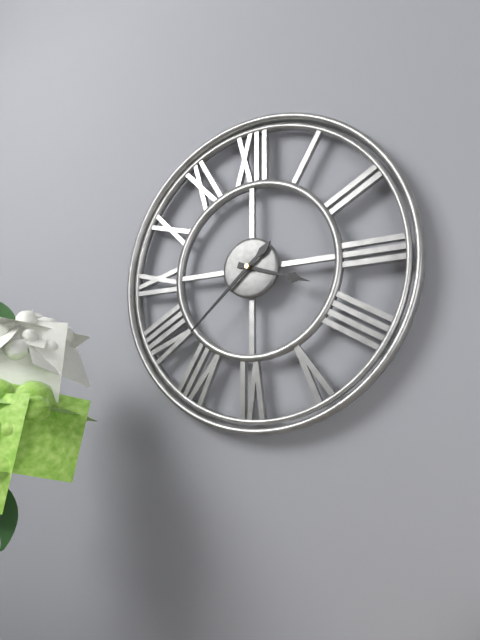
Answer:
3h38
